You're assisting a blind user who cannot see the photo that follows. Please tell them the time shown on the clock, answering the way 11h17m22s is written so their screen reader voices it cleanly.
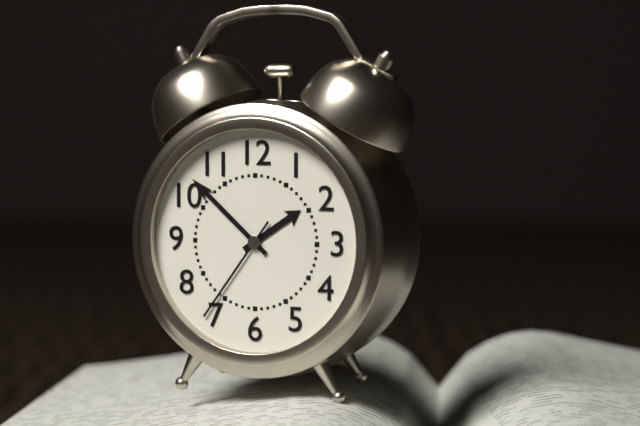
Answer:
1h52m36s
